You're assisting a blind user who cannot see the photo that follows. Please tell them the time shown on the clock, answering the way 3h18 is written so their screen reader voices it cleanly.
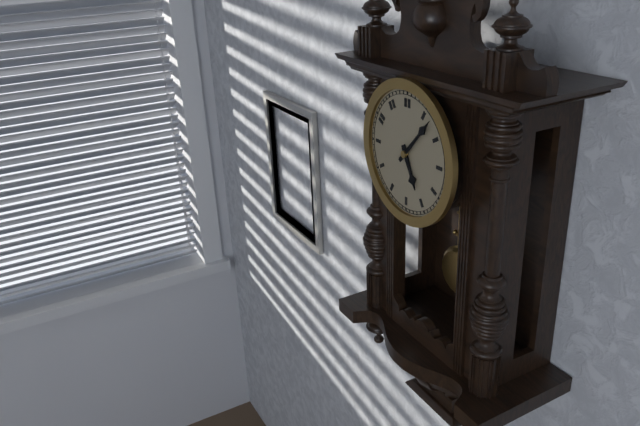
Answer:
5h07
